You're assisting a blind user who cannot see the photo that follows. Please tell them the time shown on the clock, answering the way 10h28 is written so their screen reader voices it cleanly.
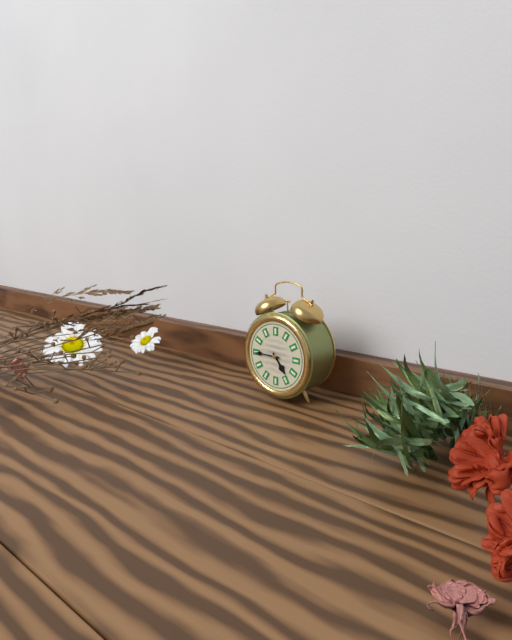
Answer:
4h45
